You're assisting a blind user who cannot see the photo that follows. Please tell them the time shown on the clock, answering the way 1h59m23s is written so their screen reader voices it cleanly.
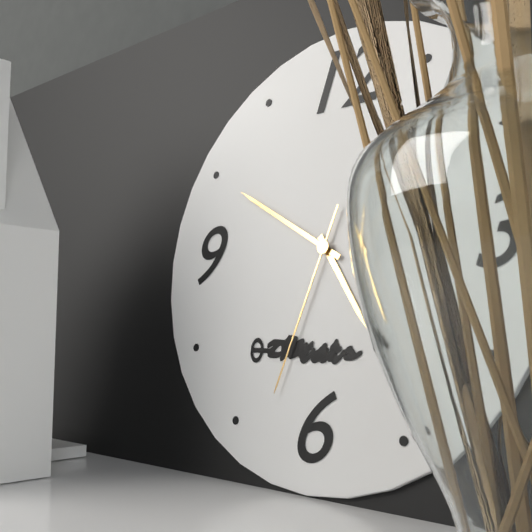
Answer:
4h50m33s
